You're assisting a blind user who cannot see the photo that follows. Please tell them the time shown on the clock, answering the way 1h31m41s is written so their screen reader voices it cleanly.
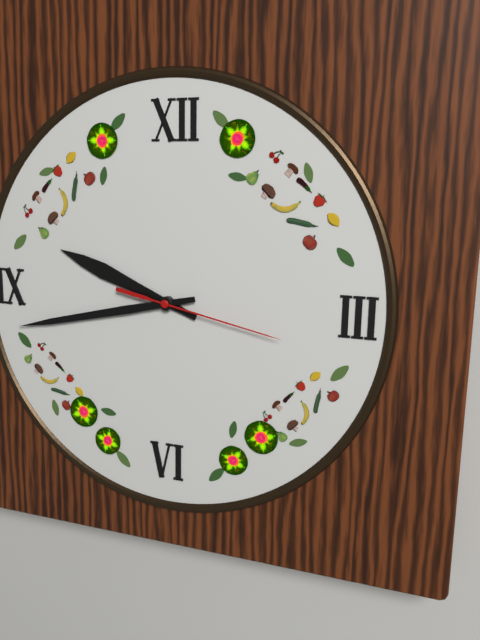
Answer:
9h43m17s
